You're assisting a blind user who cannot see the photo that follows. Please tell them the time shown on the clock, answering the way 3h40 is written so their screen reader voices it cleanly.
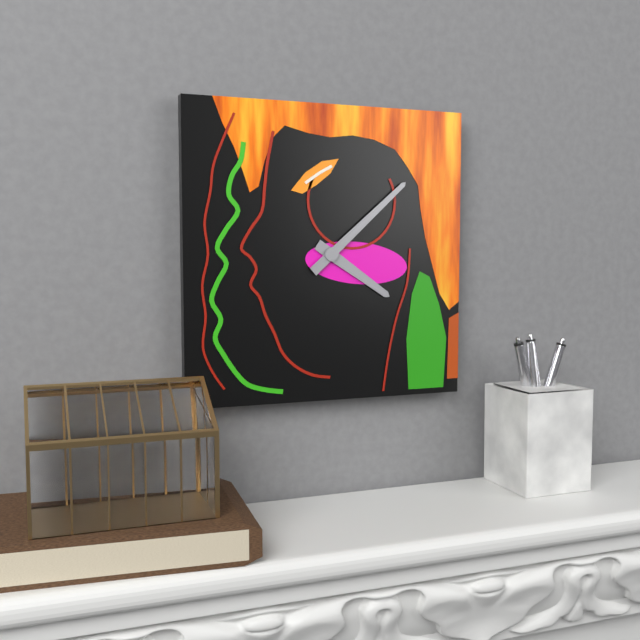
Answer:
4h08
